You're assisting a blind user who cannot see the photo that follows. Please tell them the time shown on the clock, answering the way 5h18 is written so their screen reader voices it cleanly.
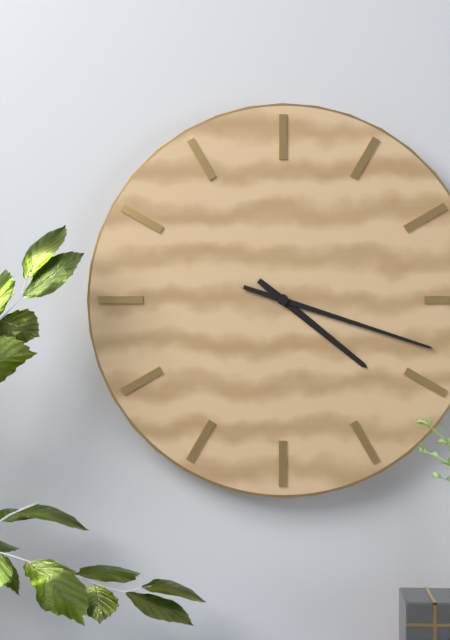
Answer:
4h18
